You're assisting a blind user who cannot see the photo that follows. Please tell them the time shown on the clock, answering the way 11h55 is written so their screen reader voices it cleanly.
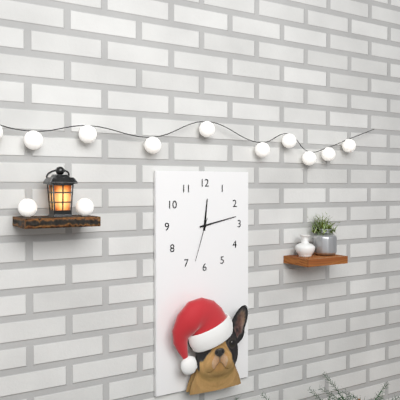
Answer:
12h13
